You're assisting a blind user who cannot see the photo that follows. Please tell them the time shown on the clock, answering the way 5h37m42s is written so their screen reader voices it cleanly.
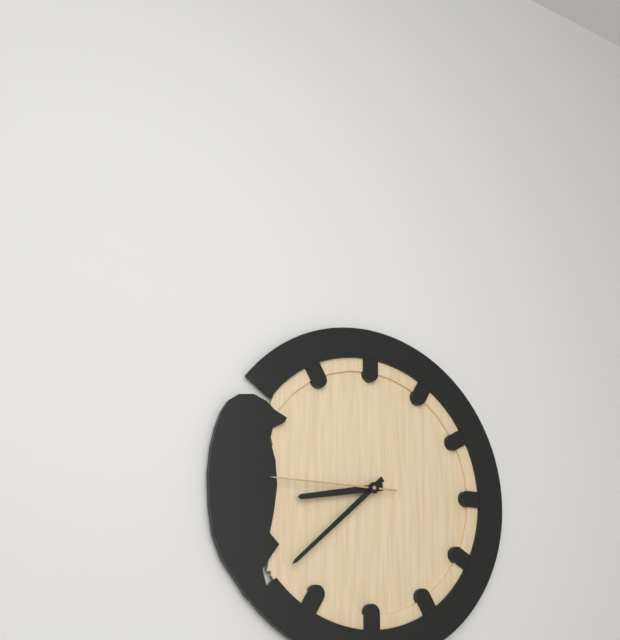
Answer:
8h38m45s
